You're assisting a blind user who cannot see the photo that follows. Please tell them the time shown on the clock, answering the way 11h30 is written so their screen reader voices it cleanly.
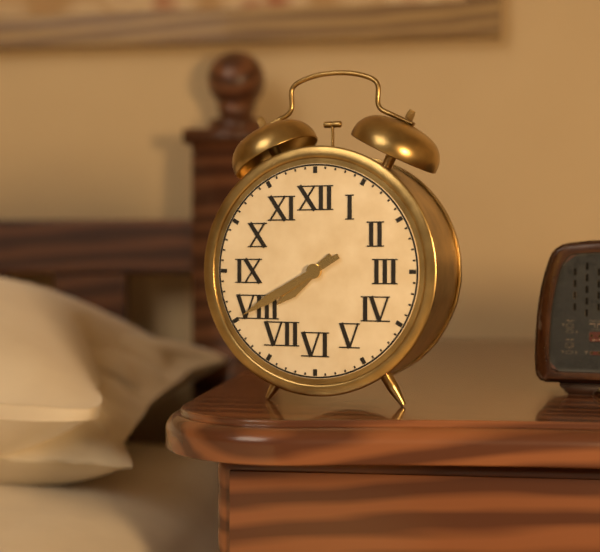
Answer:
7h40
